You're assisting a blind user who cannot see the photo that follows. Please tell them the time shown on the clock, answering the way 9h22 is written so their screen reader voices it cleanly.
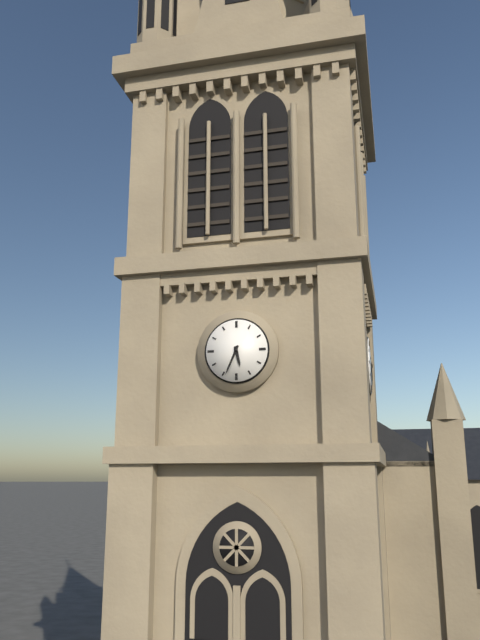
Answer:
5h34
